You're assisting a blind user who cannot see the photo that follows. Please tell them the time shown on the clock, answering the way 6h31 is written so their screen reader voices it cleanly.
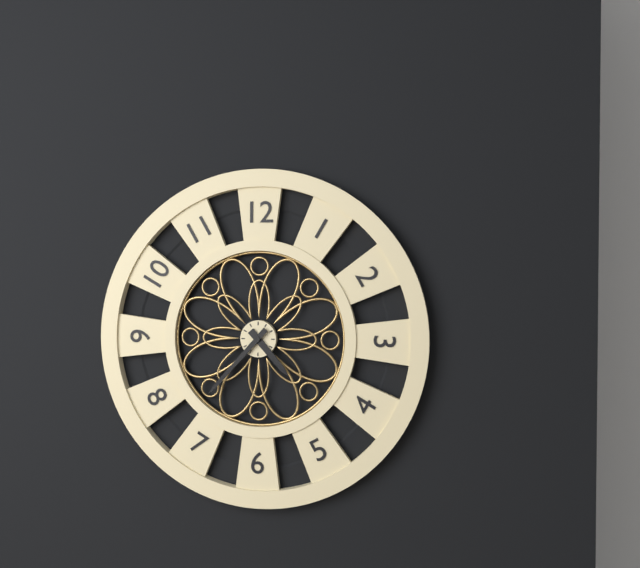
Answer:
4h37
